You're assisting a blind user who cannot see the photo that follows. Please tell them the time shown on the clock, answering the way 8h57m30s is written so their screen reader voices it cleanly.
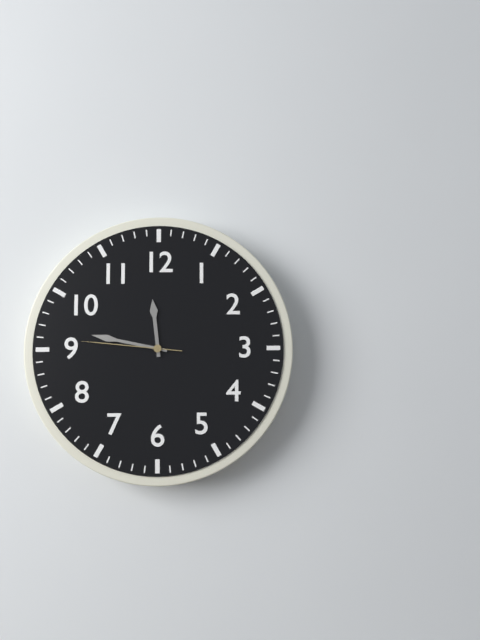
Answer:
11h47m46s
